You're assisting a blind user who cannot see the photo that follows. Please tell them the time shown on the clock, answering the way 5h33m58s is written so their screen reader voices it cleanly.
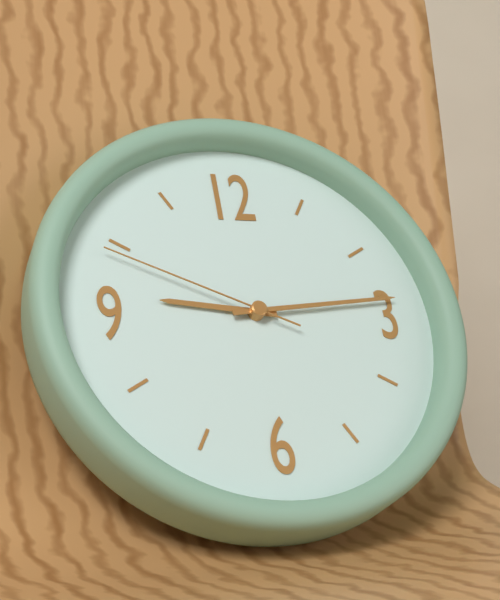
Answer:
9h14m49s
